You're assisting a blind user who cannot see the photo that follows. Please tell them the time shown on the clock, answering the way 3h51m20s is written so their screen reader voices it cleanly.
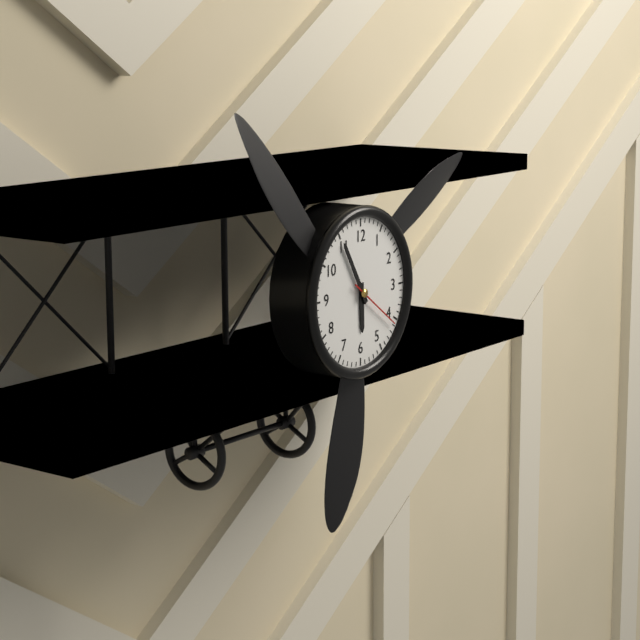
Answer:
5h55m21s
